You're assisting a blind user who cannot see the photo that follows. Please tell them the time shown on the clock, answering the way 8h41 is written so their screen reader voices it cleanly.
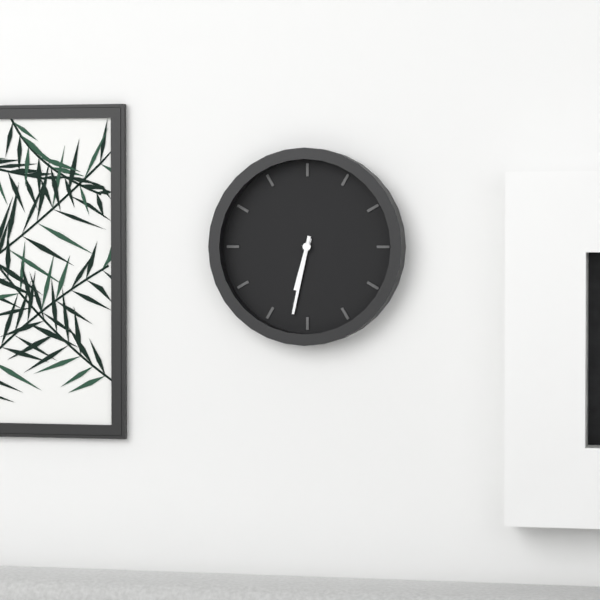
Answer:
6h32
